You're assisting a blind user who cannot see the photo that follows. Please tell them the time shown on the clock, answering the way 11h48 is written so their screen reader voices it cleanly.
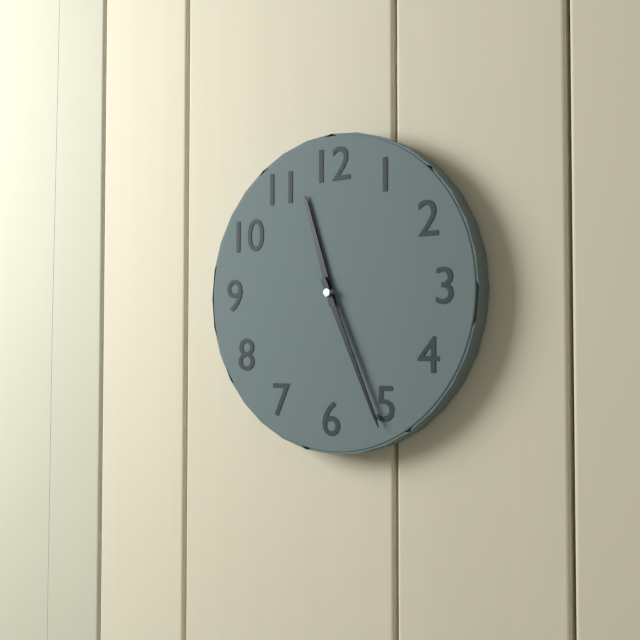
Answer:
11h26
